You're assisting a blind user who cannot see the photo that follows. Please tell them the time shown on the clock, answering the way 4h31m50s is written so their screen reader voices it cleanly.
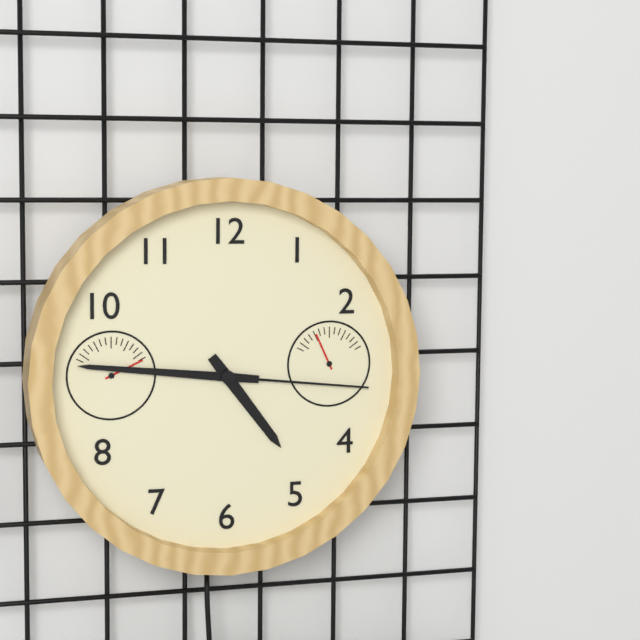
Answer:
4h46m16s
